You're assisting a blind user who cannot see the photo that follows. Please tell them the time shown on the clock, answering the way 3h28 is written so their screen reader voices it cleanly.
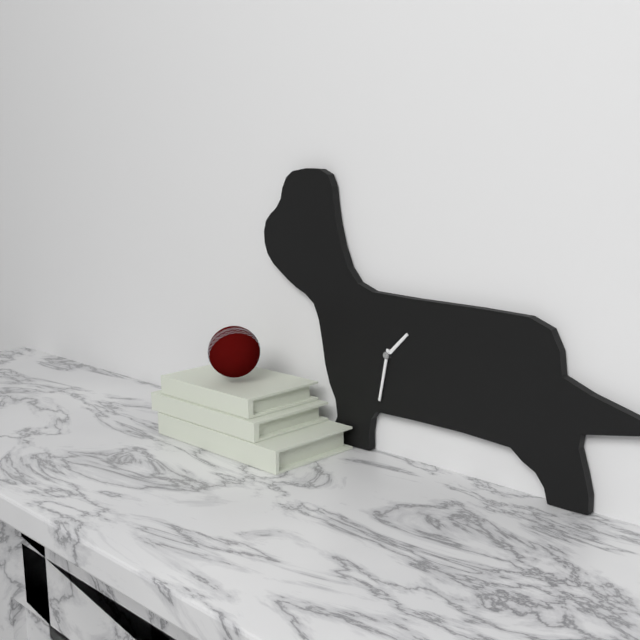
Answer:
1h32
